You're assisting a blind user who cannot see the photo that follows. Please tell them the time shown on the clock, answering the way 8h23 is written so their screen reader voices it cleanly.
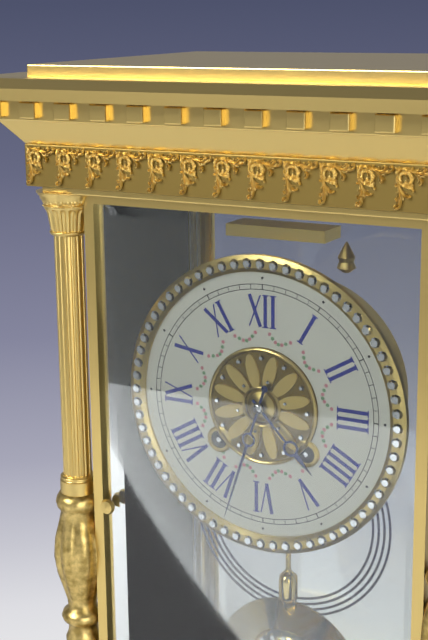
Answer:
4h33
